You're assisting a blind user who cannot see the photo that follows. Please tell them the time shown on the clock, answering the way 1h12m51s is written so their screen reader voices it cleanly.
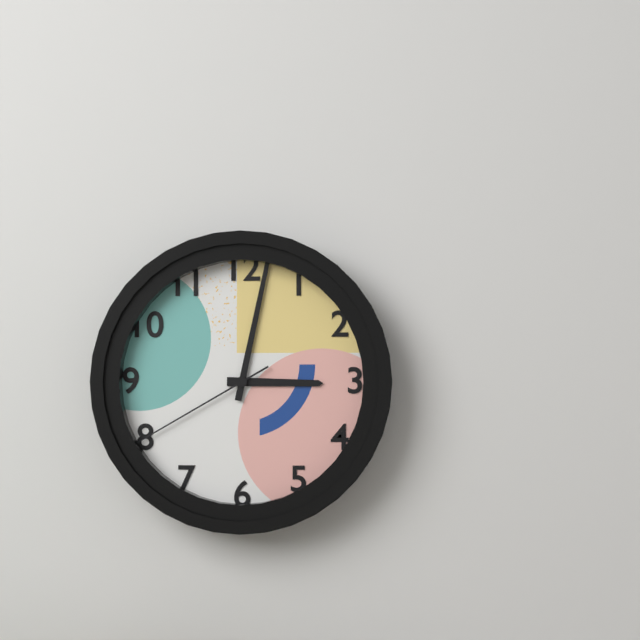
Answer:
3h02m40s
